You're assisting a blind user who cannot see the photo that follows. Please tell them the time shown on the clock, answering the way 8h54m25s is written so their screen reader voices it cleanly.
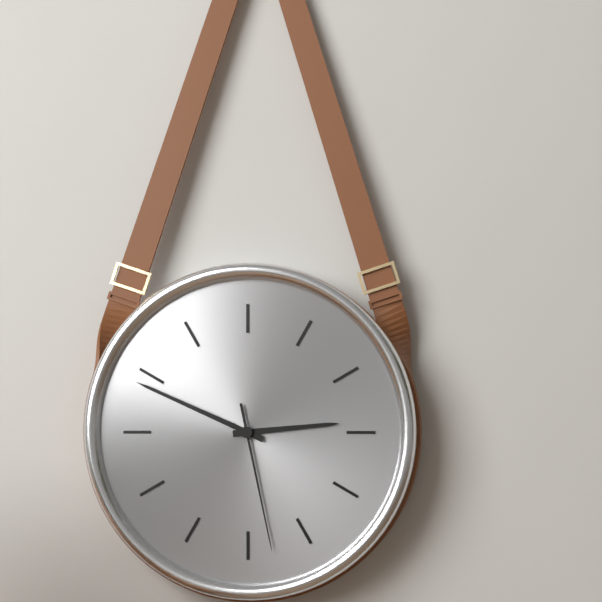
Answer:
2h49m28s
